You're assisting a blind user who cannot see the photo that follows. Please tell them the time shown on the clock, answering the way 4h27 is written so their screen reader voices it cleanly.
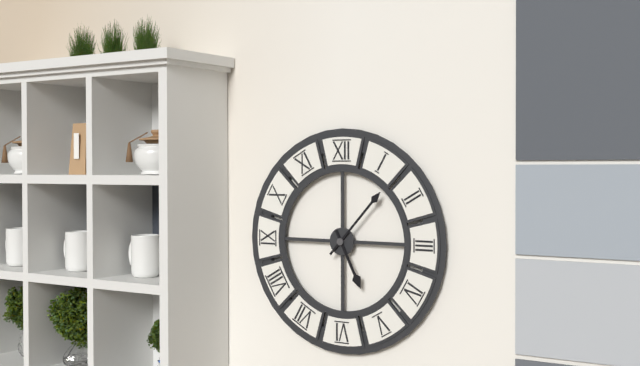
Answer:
5h07
